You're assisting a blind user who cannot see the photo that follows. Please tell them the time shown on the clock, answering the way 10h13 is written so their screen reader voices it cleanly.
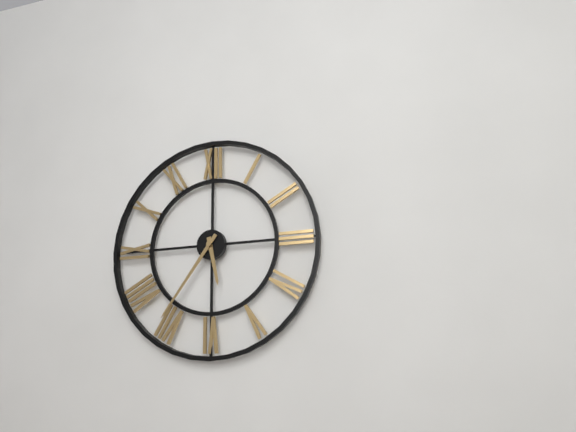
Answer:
5h36
